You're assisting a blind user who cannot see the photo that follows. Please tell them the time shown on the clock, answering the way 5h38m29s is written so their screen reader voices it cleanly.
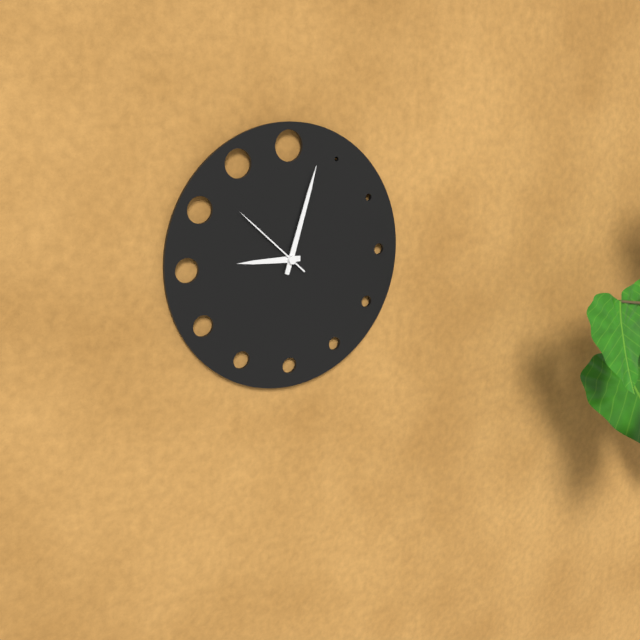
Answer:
9h03m52s
